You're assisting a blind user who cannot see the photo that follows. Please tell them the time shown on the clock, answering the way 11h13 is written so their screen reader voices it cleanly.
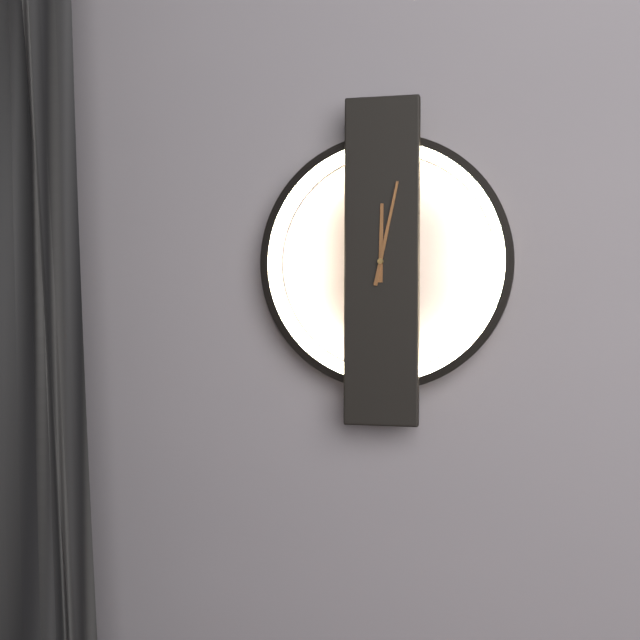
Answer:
12h02
